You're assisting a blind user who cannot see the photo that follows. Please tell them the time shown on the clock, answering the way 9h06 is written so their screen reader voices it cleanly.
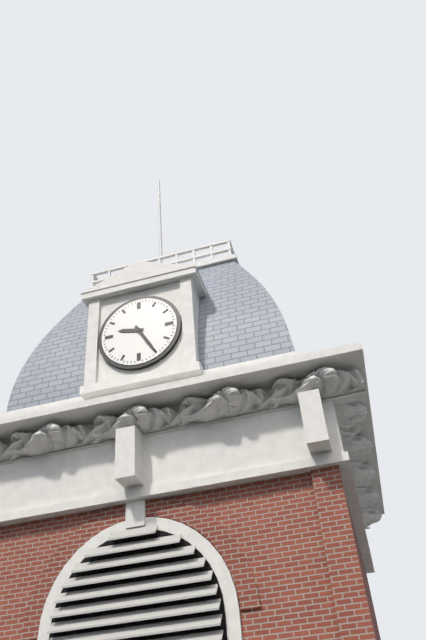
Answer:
9h25
